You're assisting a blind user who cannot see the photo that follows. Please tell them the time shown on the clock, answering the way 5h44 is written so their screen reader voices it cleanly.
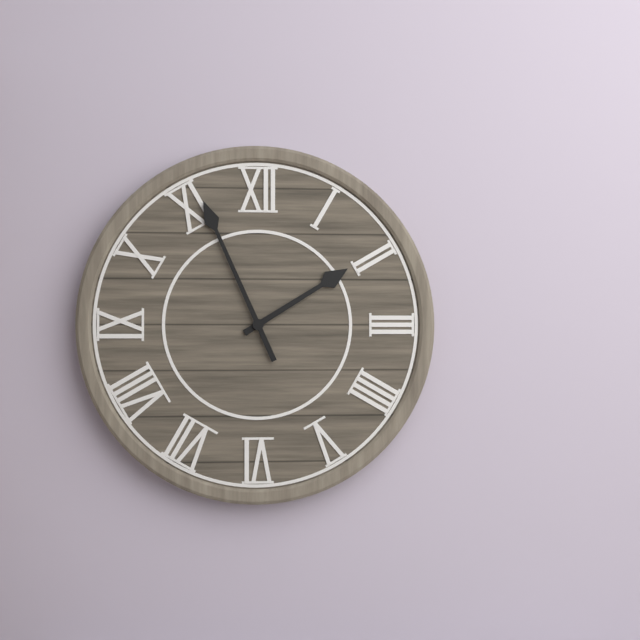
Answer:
1h56
